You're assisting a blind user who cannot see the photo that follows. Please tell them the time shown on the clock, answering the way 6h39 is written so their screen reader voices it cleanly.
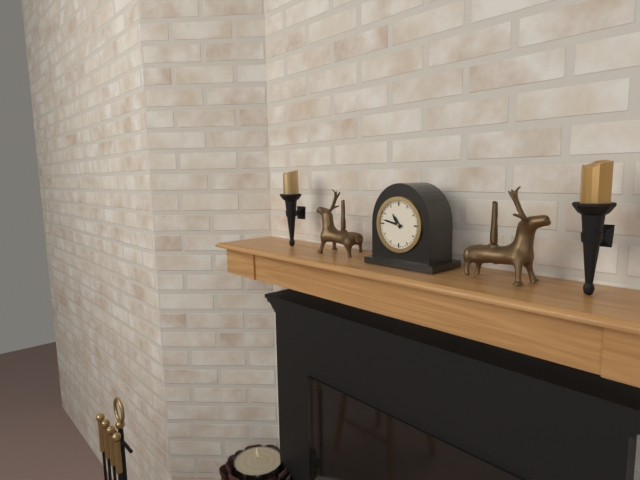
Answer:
10h47
